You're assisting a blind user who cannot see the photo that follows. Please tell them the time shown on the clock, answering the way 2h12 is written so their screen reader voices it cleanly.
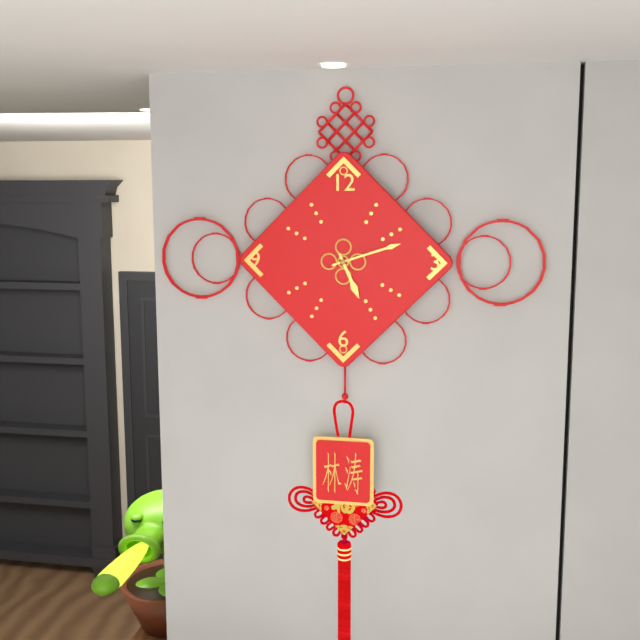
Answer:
5h12
